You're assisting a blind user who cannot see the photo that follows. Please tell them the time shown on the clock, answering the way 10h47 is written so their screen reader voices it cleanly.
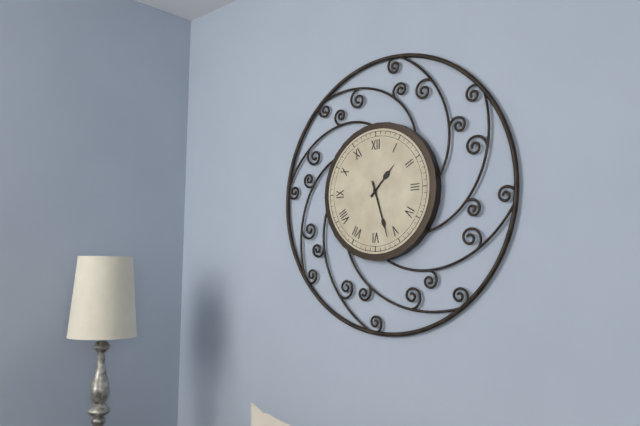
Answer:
1h27
